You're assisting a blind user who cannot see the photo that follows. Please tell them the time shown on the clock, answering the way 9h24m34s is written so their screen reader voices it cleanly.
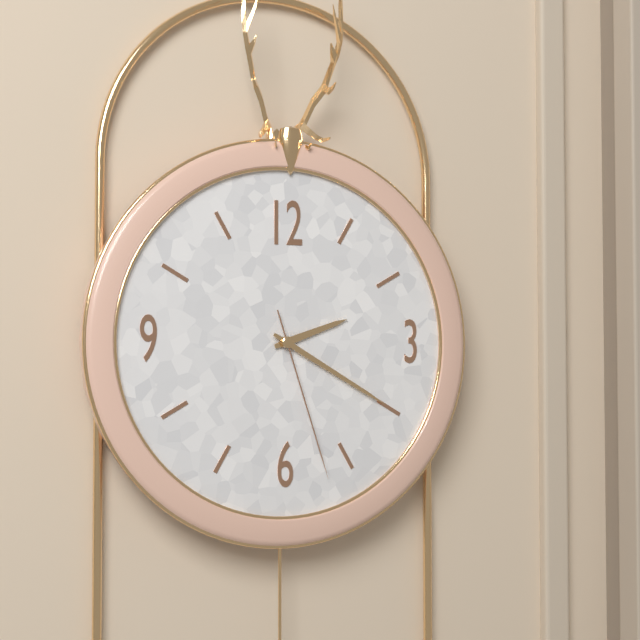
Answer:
2h20m27s
